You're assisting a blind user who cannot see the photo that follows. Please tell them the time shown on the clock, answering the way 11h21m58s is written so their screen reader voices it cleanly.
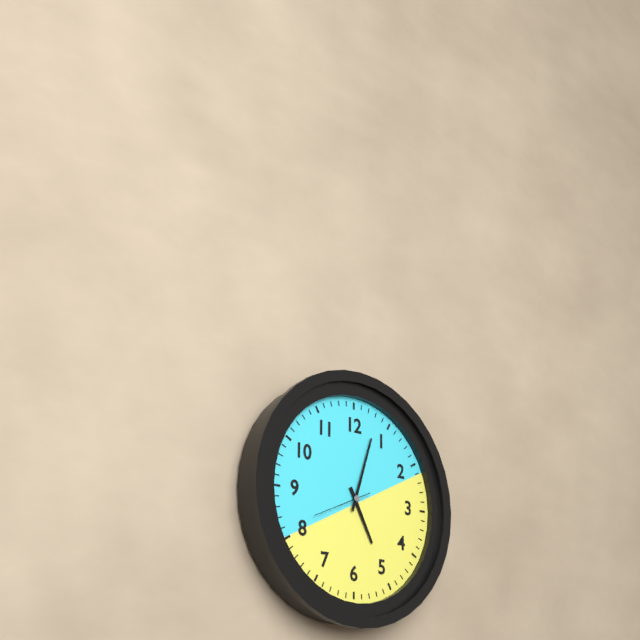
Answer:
5h03m41s
